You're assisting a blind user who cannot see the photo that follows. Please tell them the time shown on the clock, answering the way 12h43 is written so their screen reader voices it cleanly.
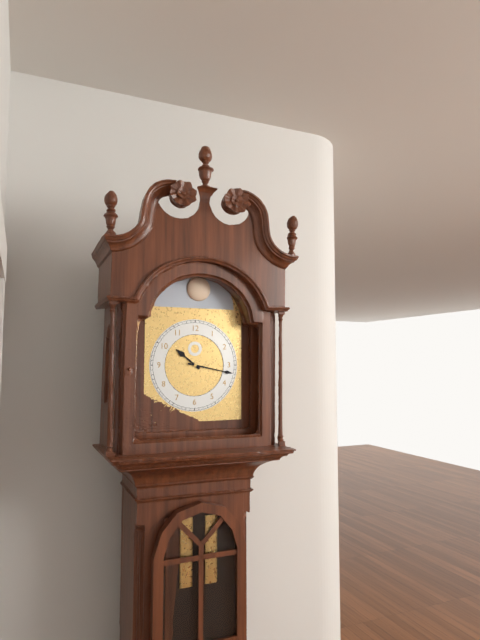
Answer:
10h17
